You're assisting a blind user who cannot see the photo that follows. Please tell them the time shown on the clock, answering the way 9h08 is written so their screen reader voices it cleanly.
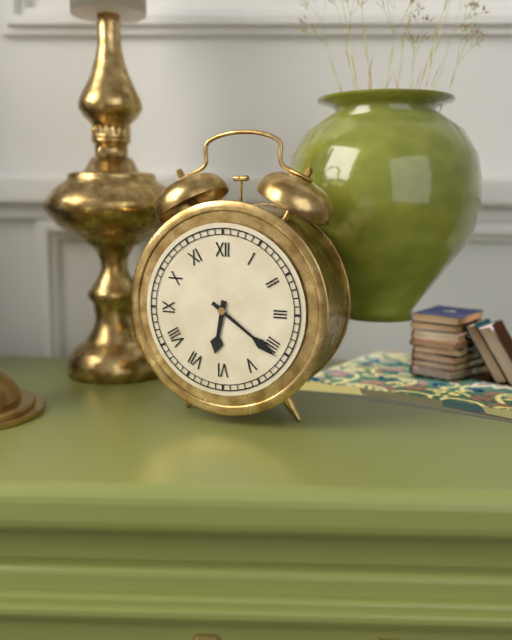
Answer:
6h21
